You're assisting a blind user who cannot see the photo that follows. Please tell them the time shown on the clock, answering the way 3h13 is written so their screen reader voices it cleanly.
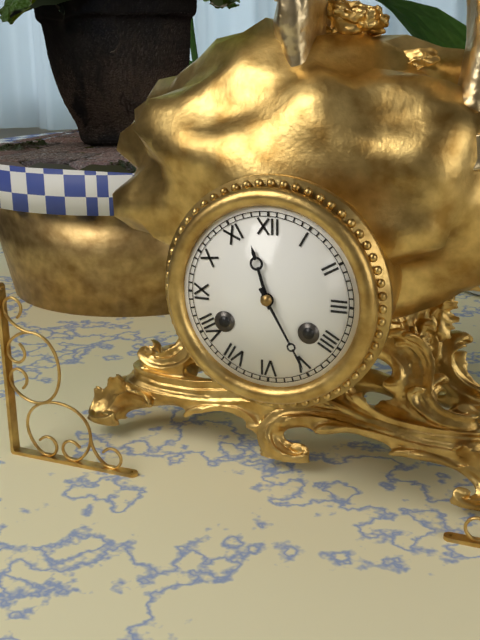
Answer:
11h25
